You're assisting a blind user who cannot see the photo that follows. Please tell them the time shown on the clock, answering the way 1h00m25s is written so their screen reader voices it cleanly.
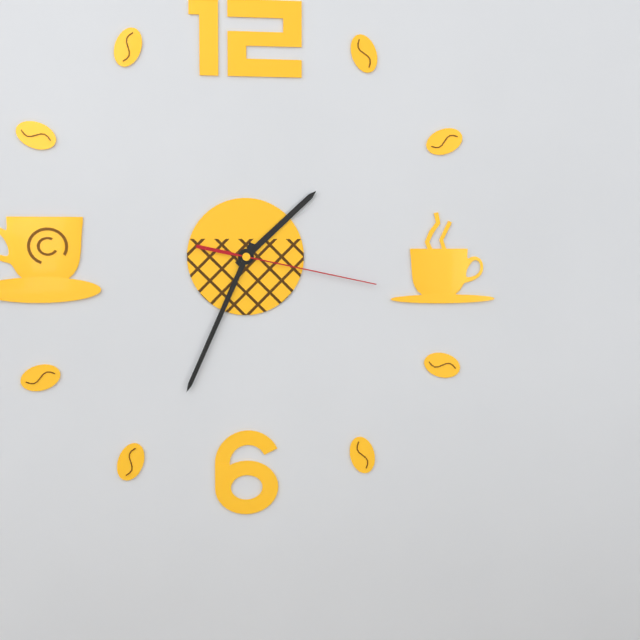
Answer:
1h34m17s
